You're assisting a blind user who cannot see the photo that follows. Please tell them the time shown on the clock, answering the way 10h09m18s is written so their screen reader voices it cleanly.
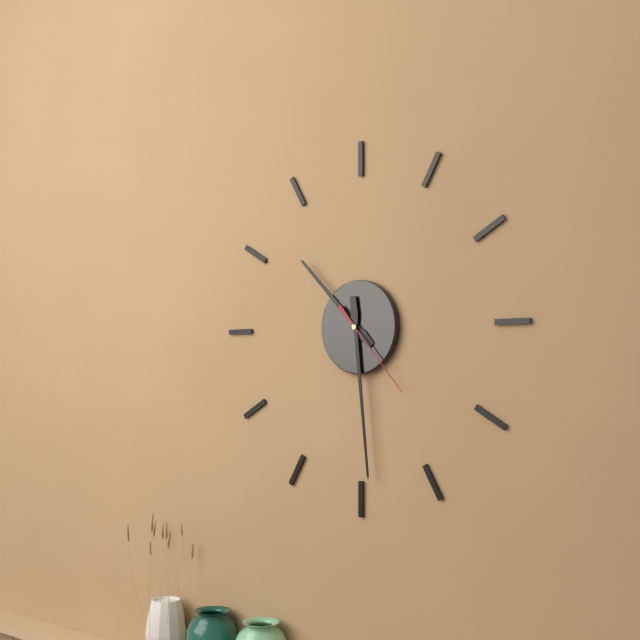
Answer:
10h29m23s
